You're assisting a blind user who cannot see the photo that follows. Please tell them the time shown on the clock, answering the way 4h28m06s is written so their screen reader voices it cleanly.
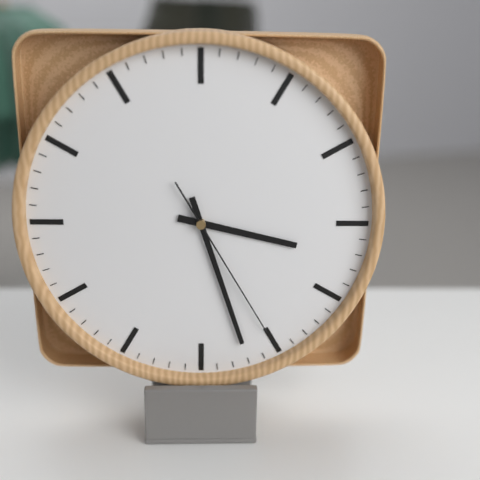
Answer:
3h27m25s
